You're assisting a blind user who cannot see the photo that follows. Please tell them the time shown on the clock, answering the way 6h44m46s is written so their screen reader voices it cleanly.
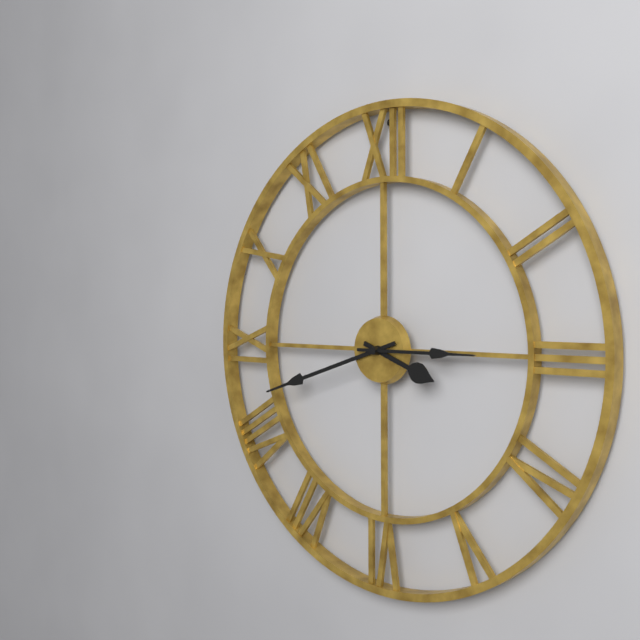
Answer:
3h42m15s
